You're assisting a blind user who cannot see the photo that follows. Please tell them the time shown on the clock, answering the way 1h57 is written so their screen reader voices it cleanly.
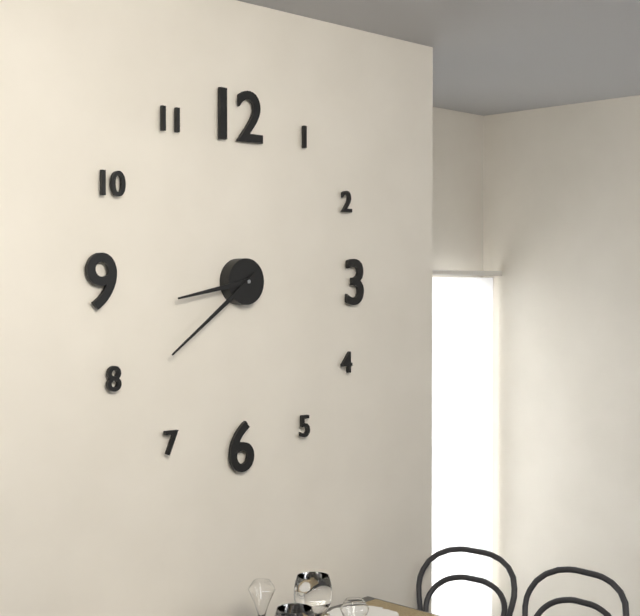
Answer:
8h39
